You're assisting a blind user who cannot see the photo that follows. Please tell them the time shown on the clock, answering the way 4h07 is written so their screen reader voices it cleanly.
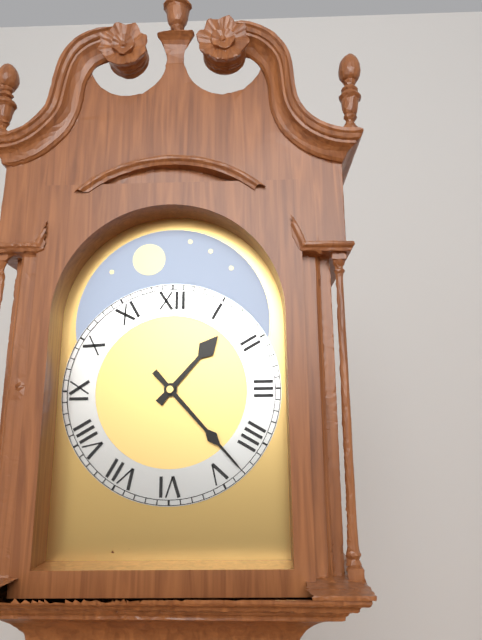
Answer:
1h23
